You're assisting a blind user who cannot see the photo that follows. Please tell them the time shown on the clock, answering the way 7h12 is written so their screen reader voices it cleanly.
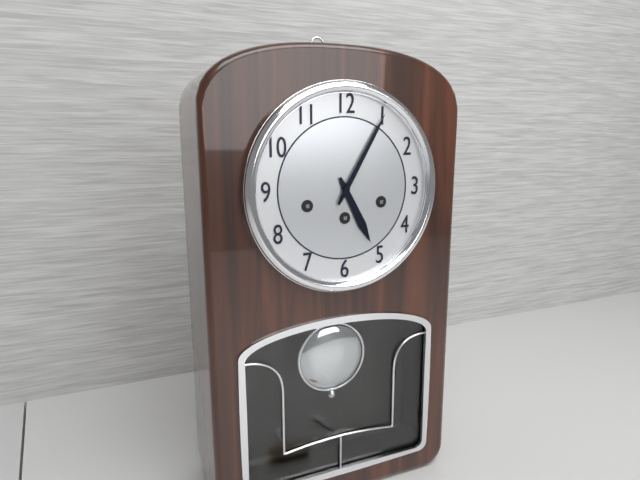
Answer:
5h05
